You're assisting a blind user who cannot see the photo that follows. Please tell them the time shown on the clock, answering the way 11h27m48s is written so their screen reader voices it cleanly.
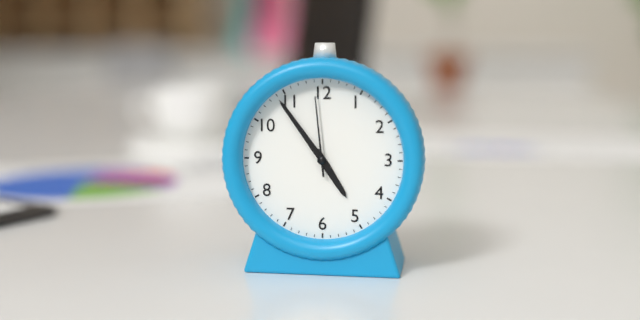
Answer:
4h54m59s
